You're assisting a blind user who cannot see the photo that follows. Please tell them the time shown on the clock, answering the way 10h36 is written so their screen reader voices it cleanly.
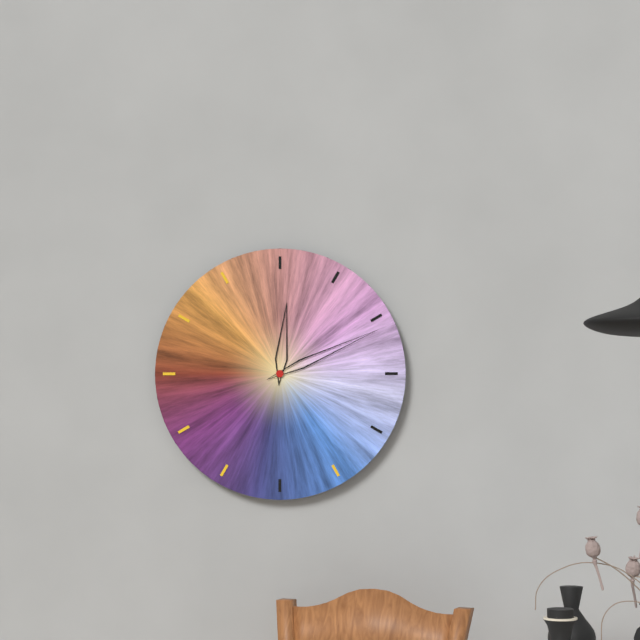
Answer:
12h11
